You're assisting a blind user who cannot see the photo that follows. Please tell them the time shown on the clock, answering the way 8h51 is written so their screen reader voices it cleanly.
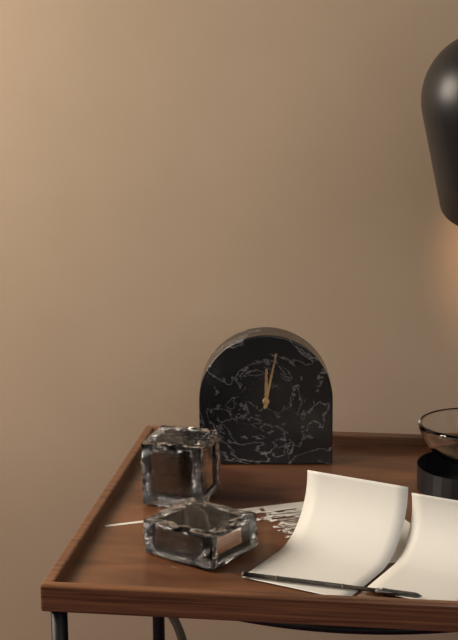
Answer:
12h02
